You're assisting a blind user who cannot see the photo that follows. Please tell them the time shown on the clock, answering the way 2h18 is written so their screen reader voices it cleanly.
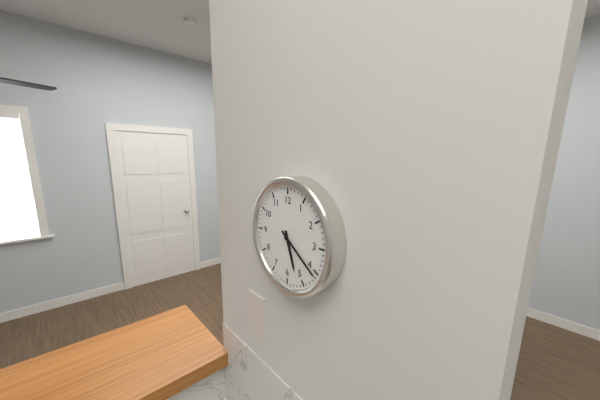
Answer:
5h21
